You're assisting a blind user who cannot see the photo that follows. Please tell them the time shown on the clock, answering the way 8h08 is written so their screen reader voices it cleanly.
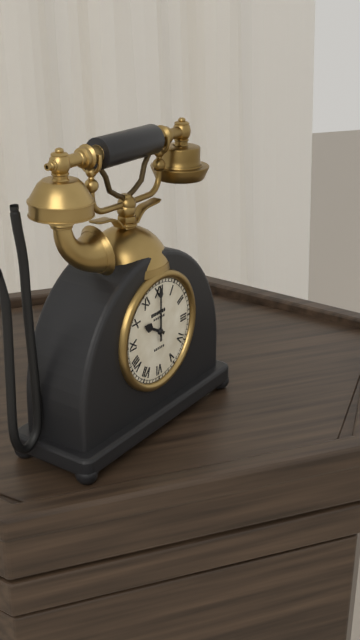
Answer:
10h00
